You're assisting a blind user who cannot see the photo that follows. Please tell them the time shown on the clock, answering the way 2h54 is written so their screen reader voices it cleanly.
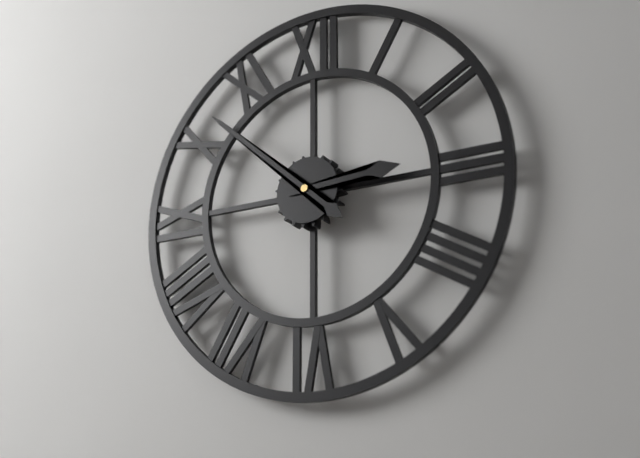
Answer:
2h52
